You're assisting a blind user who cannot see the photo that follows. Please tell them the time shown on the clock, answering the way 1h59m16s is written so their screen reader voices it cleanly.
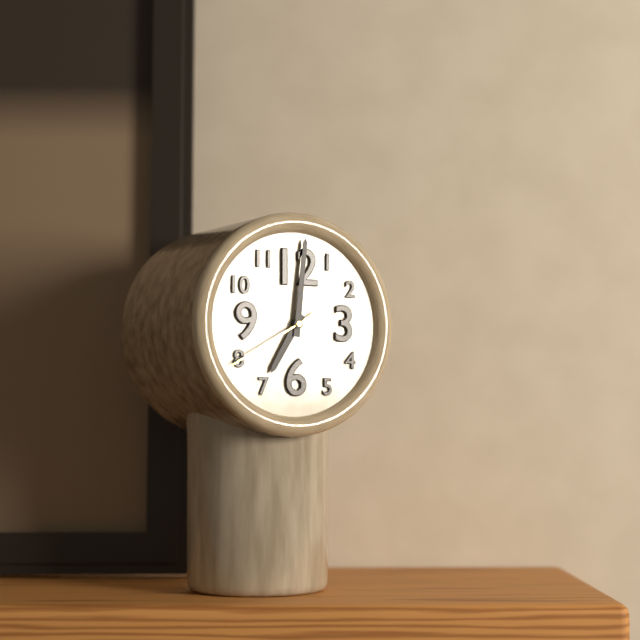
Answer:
7h01m40s
